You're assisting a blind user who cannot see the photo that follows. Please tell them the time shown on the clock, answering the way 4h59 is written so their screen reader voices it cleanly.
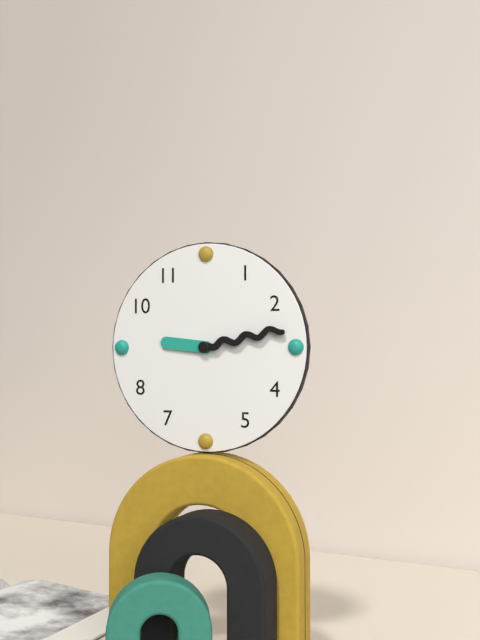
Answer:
9h13
